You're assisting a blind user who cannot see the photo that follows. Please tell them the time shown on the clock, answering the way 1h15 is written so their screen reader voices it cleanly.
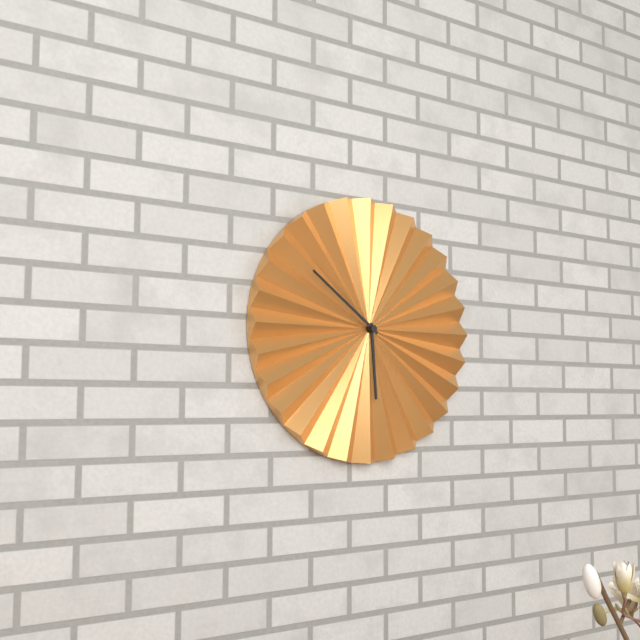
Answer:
5h51
